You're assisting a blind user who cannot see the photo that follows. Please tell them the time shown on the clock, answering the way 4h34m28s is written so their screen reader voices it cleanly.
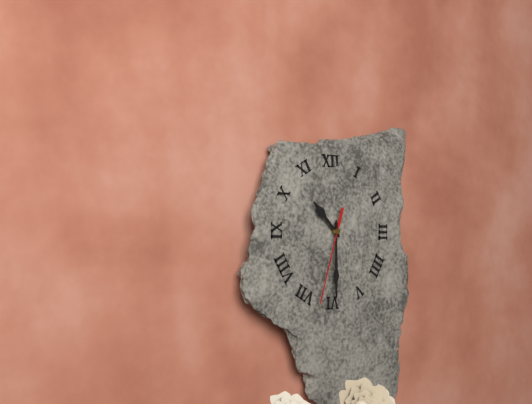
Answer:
10h30m33s
